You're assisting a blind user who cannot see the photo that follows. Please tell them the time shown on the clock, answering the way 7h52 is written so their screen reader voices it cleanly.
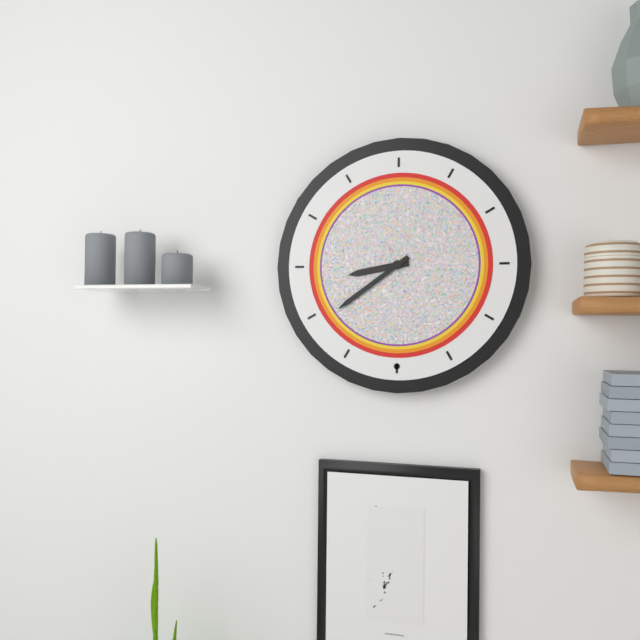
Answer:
8h39
